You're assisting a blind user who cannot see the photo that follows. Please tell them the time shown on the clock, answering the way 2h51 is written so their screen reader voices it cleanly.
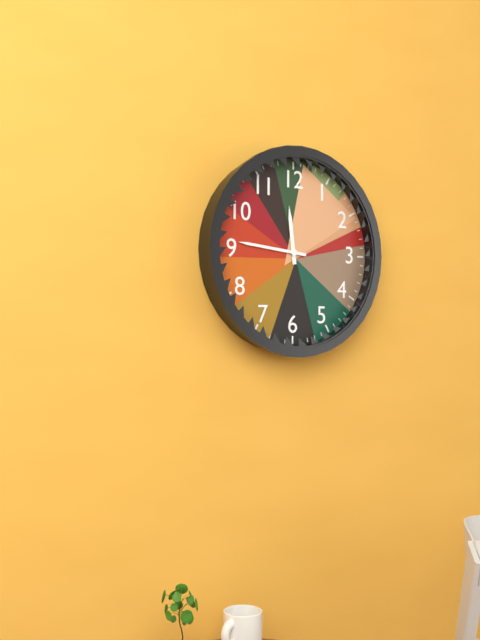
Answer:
11h46
